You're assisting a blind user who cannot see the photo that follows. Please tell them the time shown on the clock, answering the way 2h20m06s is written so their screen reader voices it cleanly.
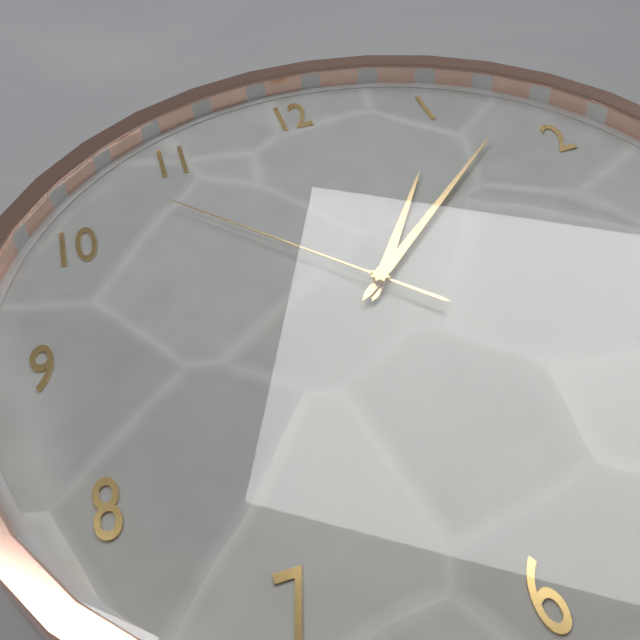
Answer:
1h08m53s
